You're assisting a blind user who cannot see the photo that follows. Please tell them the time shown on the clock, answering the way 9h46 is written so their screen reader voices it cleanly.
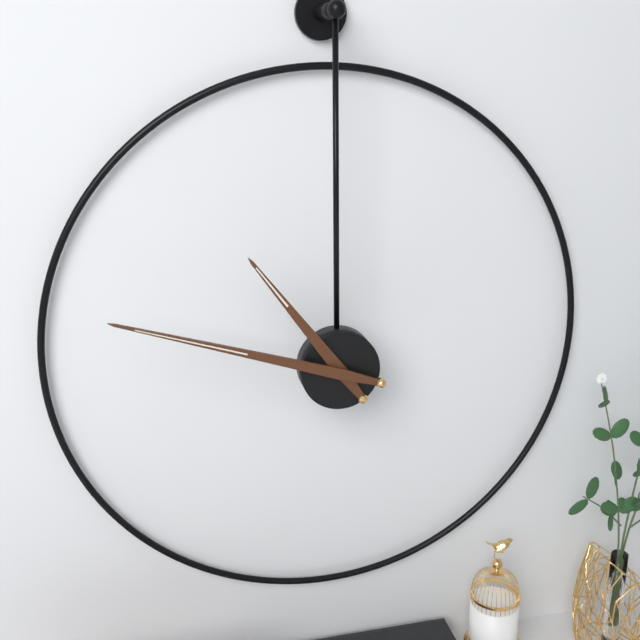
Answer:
10h48
